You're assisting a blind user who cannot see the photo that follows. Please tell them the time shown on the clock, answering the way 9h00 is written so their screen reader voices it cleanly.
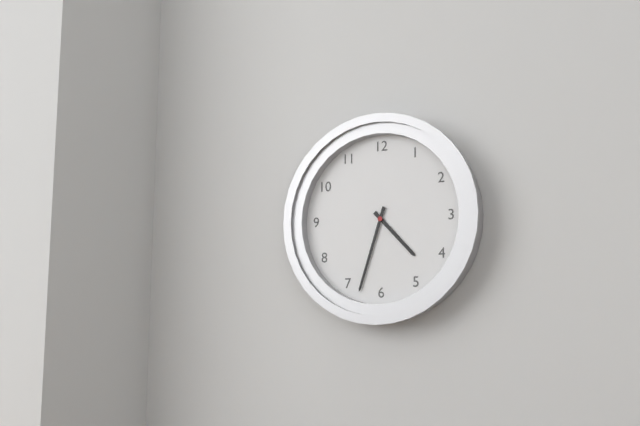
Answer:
4h33
